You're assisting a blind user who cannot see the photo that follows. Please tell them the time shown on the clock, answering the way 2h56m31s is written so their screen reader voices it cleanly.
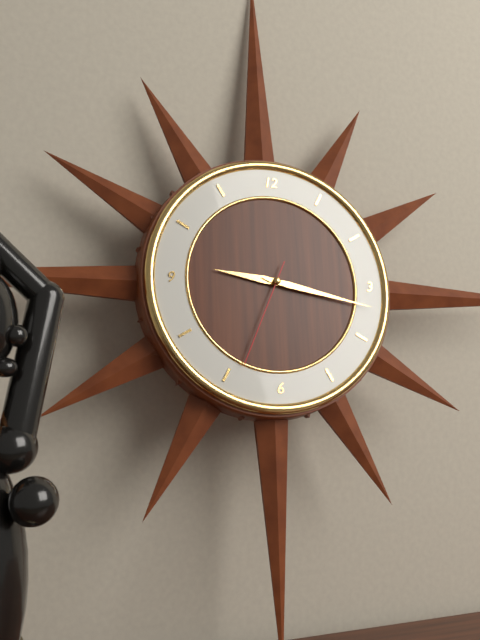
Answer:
9h17m34s
